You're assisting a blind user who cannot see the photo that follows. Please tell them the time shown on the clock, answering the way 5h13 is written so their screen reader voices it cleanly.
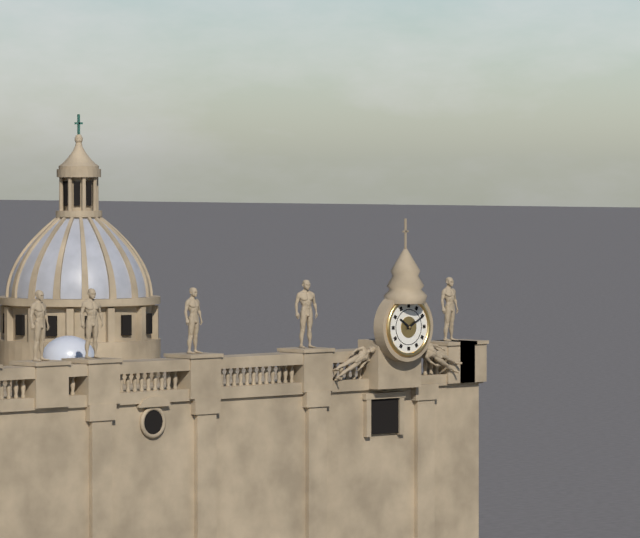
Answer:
10h10
